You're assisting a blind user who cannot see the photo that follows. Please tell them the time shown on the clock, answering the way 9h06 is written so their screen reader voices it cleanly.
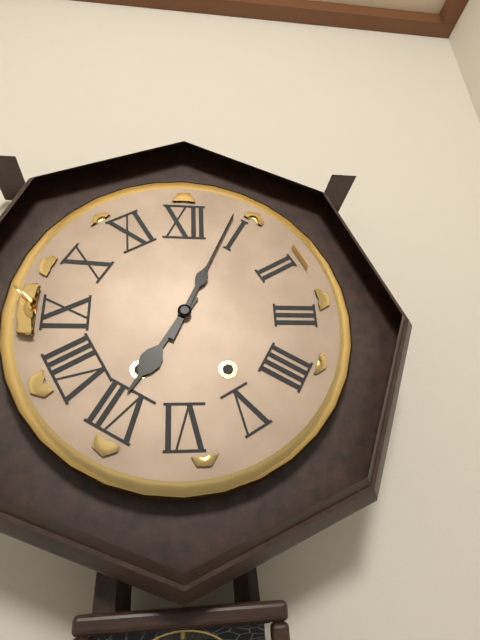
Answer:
7h04
